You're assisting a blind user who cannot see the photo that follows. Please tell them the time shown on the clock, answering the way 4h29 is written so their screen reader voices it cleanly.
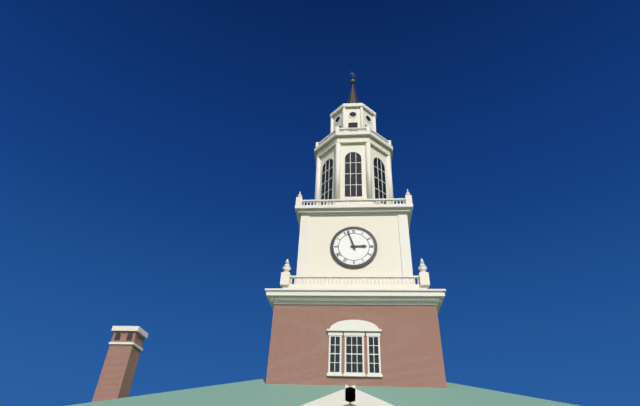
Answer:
2h57
